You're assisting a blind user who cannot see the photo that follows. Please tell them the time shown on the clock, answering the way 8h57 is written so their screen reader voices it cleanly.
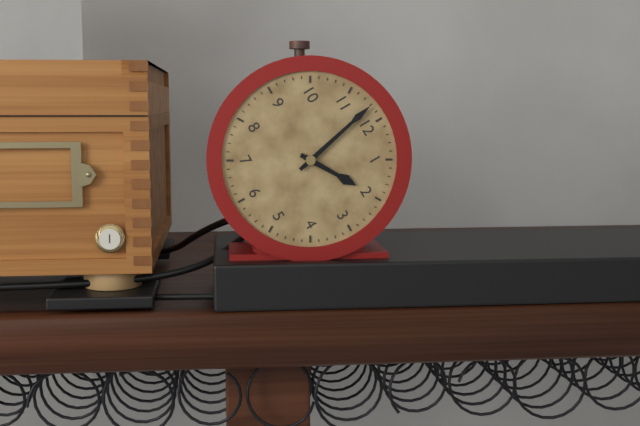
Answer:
1h58
